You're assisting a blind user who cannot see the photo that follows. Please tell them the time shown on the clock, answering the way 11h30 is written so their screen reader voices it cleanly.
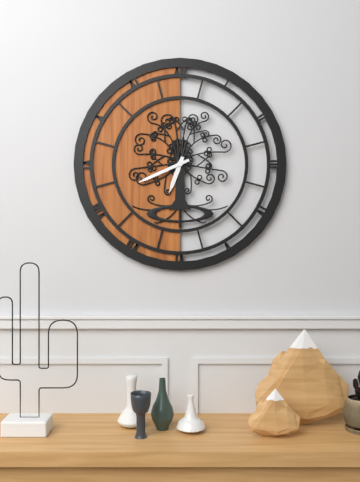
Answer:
6h41
